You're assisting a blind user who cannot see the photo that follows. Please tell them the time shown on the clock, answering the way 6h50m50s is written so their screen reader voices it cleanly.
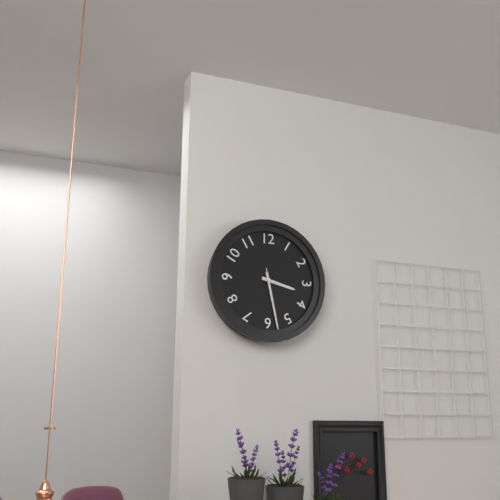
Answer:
3h28m28s
